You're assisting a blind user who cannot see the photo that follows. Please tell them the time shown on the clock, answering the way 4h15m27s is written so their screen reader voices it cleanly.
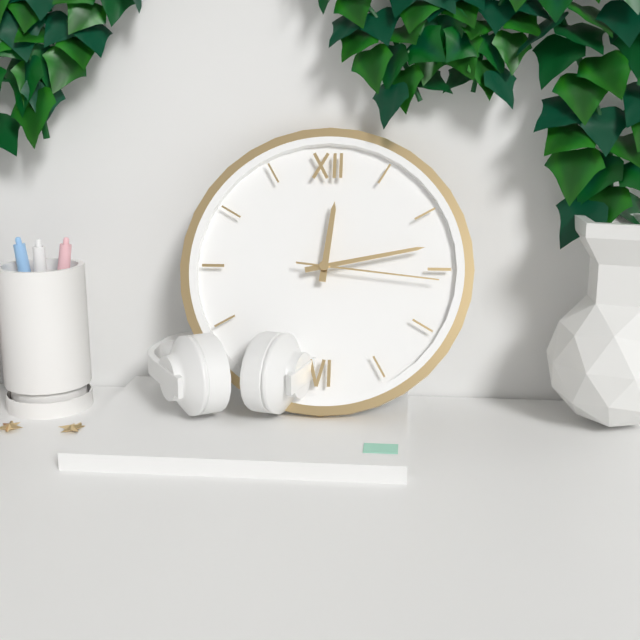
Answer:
12h13m16s
